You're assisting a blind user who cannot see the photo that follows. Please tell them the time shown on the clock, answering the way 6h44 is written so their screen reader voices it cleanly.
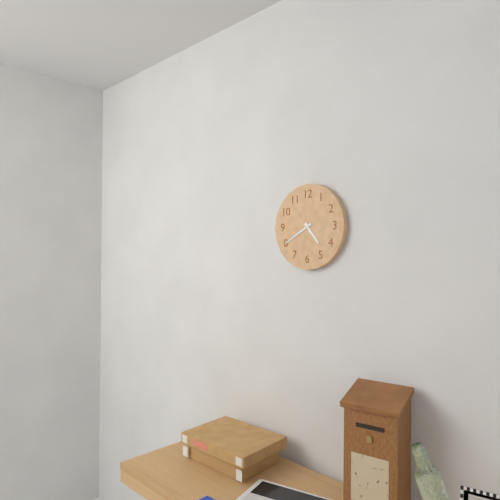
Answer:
4h40
